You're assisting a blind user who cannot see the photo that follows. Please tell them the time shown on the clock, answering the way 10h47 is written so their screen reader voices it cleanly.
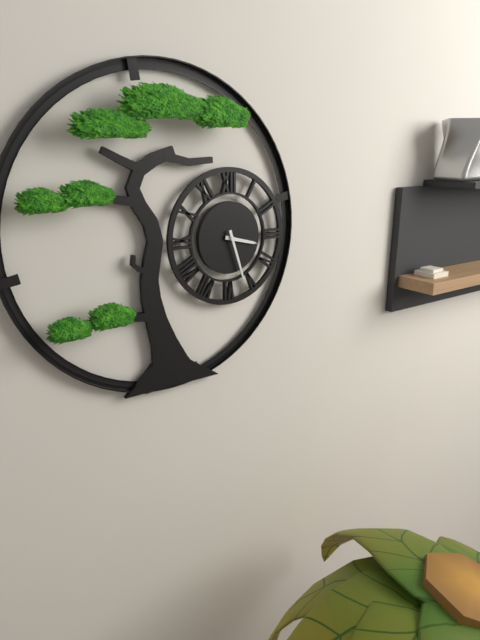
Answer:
3h27
